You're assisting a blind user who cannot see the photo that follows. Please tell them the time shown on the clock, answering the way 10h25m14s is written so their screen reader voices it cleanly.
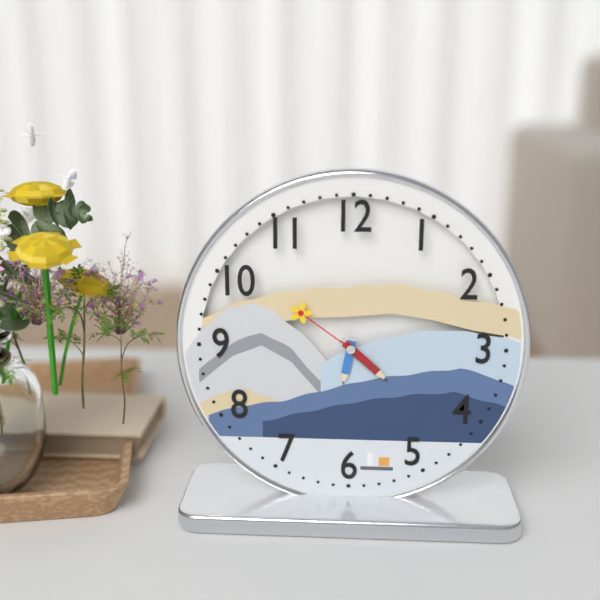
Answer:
6h22m51s
